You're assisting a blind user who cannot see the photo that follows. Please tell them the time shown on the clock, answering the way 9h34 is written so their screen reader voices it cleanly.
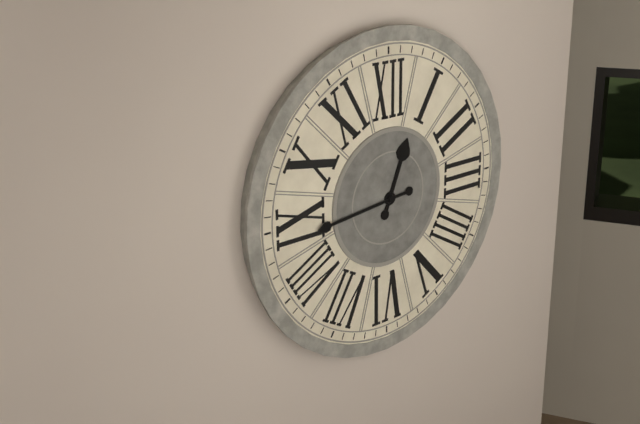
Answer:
12h44
